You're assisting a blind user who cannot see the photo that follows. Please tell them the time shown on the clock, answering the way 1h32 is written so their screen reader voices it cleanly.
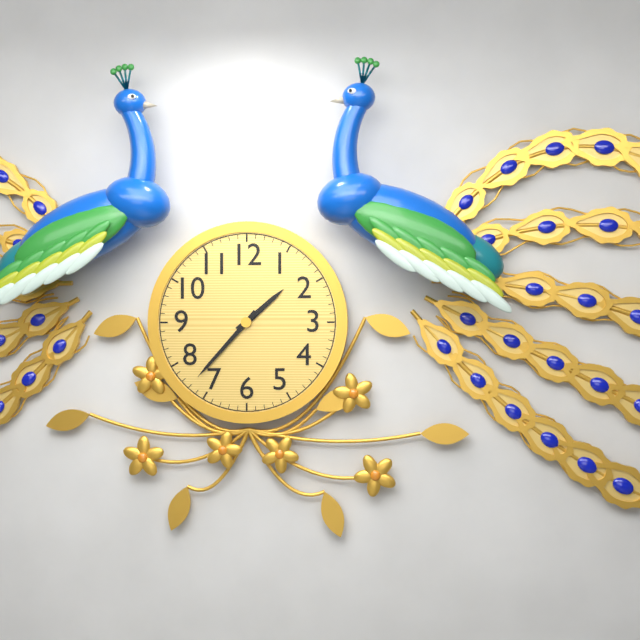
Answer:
1h37
